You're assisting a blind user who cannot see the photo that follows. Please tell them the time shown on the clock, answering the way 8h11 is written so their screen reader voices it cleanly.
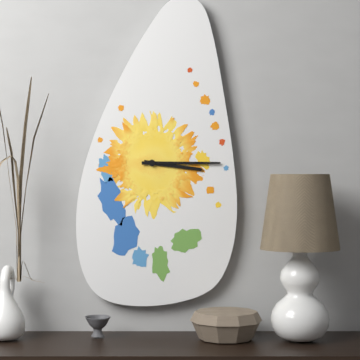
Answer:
3h15
